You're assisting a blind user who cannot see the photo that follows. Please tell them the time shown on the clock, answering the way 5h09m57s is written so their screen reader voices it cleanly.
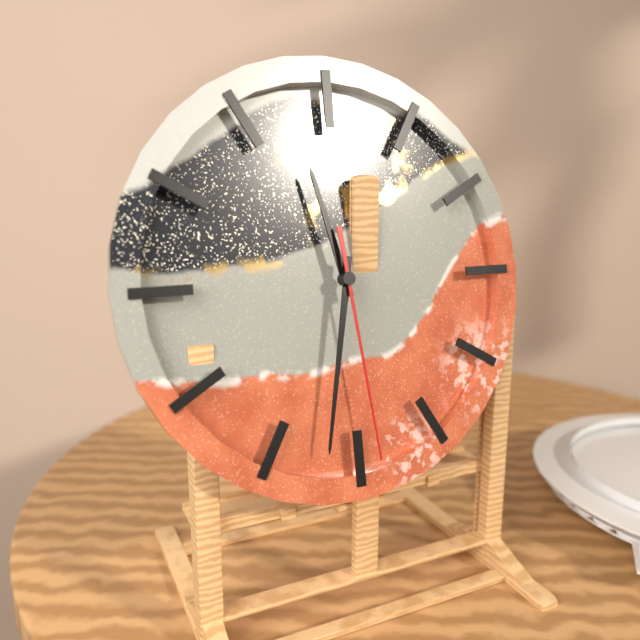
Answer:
11h32m29s
